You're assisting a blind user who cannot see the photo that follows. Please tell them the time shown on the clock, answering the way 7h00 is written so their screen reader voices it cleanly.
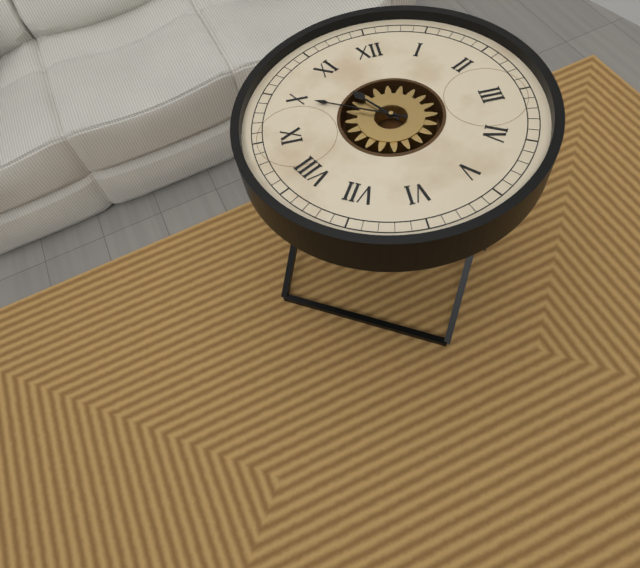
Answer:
10h50
